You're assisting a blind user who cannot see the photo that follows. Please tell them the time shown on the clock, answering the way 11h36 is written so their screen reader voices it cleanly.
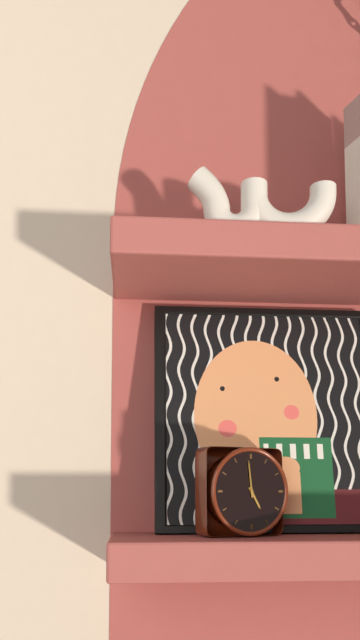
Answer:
4h59
